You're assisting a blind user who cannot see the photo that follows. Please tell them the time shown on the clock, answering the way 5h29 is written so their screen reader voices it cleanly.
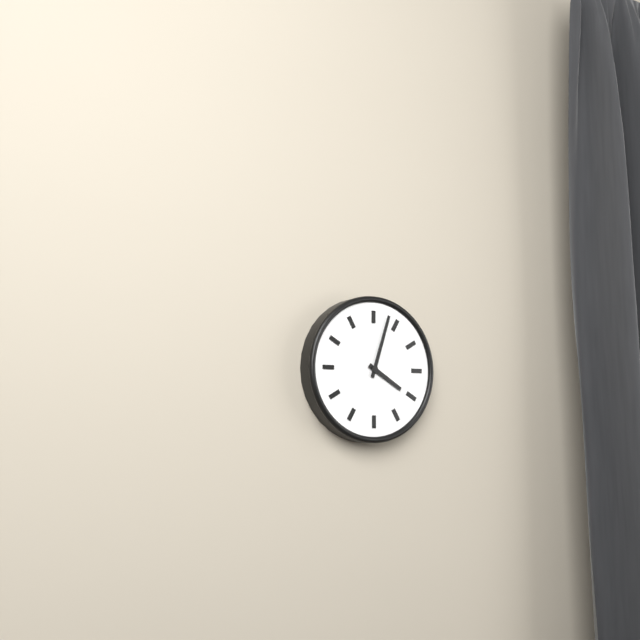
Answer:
4h03
